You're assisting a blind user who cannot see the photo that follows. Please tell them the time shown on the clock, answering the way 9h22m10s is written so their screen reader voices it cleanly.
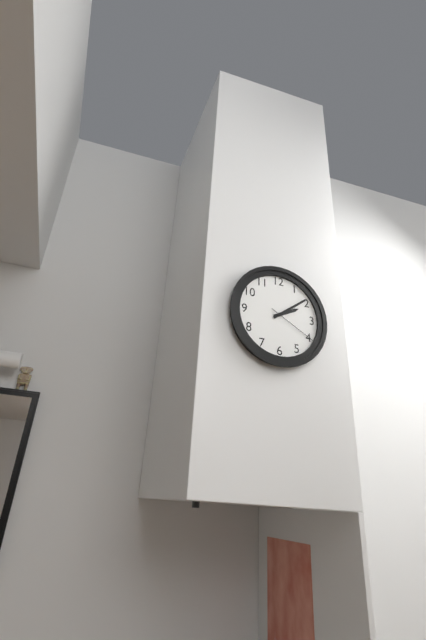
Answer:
2h09m20s
